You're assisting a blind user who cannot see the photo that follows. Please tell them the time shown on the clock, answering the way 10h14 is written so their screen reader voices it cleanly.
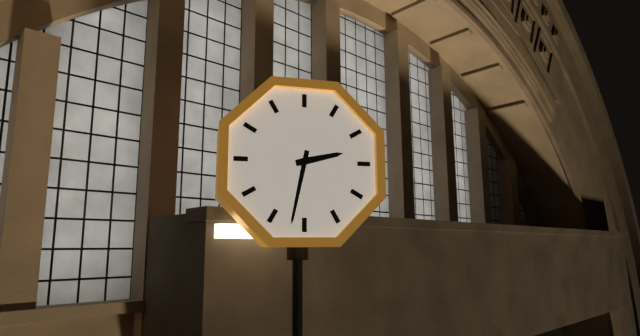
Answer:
2h32
